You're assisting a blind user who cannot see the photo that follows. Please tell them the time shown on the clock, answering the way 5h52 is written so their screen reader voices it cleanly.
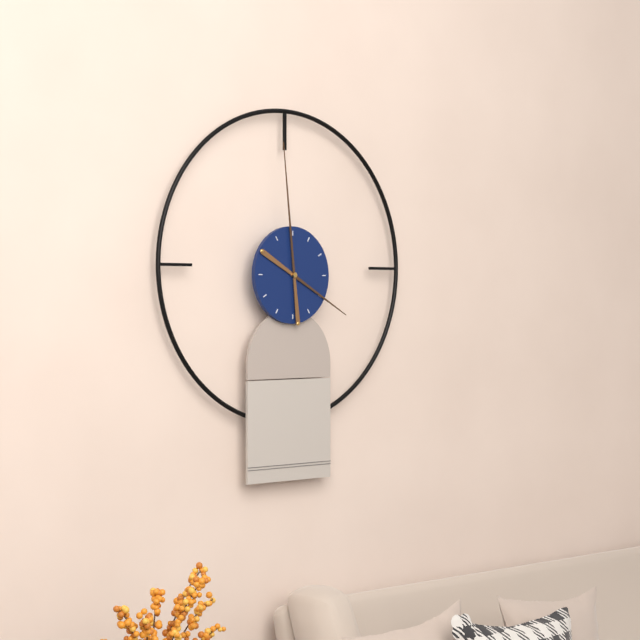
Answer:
3h59
